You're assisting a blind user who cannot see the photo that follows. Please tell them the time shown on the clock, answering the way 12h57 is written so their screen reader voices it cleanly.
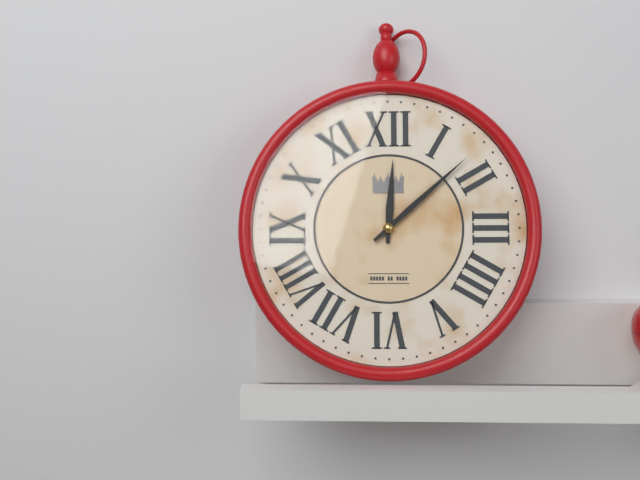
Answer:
12h08
